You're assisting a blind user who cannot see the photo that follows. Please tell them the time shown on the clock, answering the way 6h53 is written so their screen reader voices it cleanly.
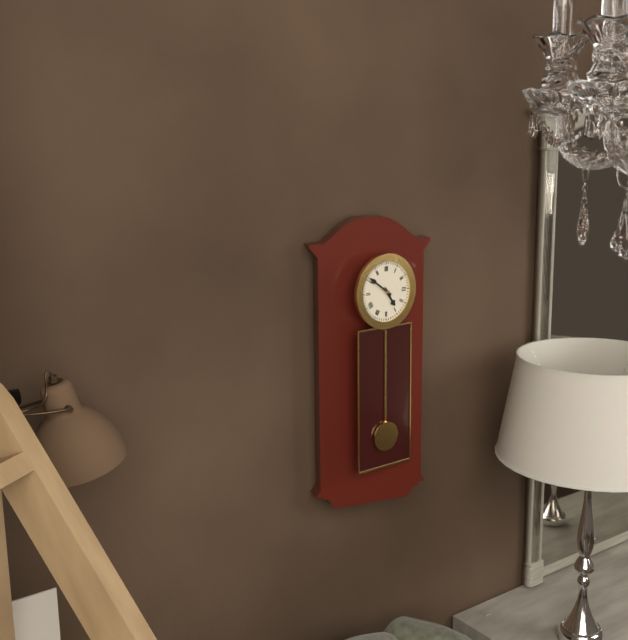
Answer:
4h51
